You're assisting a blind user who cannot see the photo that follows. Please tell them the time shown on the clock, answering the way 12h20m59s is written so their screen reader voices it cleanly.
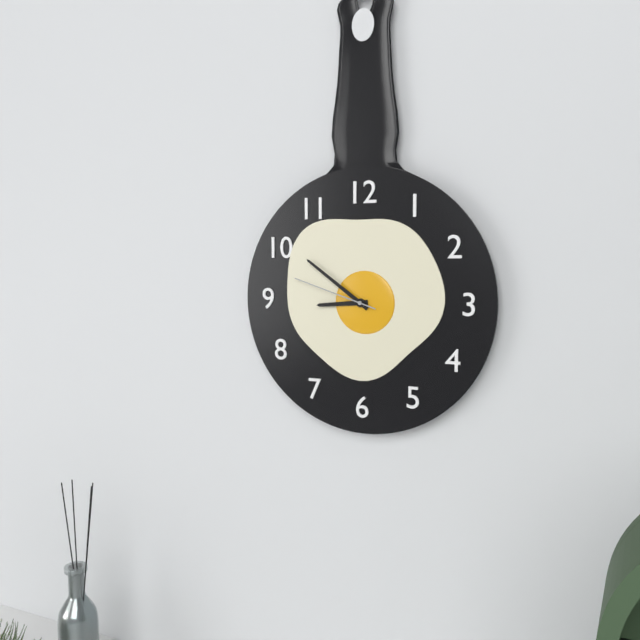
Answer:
8h51m48s
